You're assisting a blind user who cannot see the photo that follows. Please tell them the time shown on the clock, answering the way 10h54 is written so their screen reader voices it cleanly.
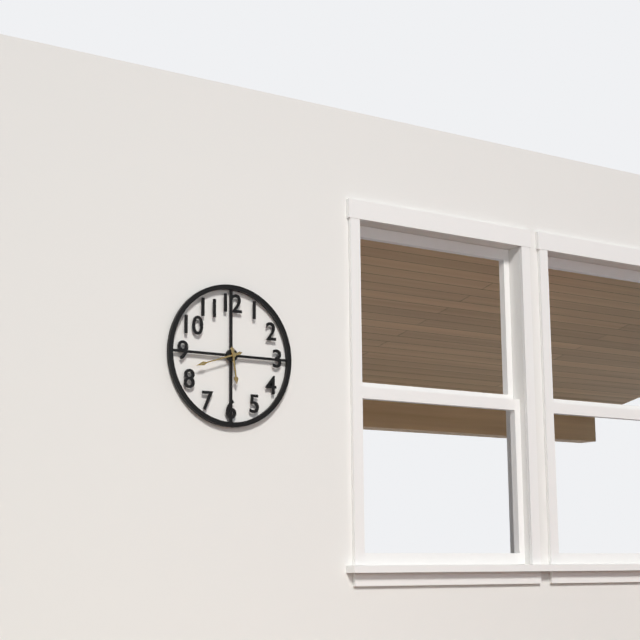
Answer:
5h42
